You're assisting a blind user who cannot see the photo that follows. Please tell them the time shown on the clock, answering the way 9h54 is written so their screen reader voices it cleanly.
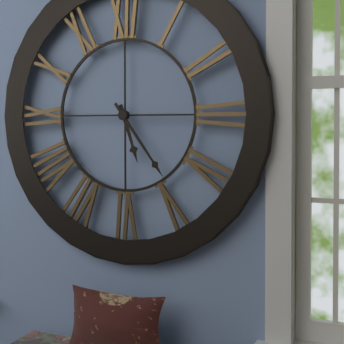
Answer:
5h24
